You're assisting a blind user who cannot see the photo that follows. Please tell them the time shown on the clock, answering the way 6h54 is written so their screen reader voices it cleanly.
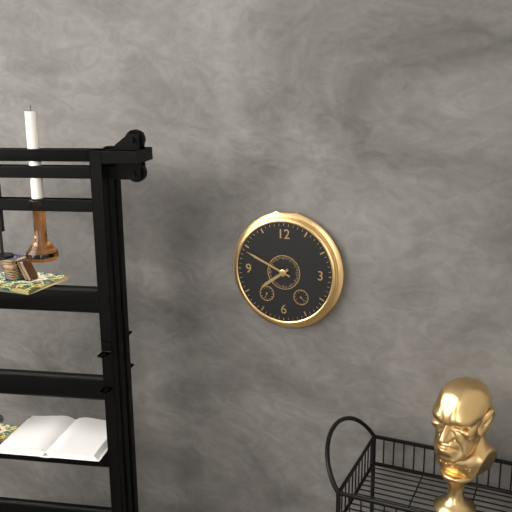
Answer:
7h49
